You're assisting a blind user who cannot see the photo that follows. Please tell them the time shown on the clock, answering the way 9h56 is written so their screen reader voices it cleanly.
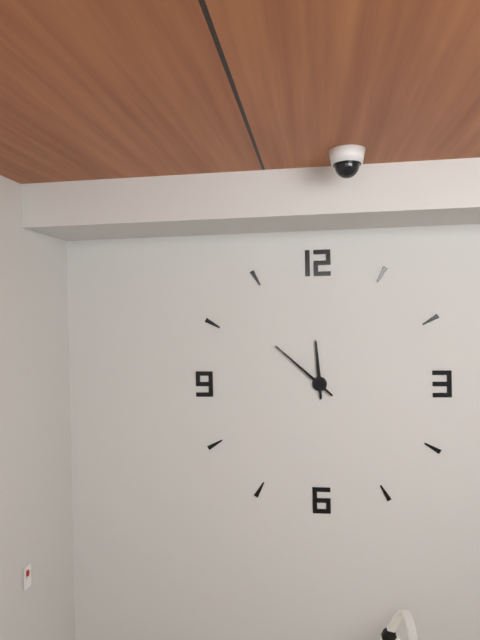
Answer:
11h52
